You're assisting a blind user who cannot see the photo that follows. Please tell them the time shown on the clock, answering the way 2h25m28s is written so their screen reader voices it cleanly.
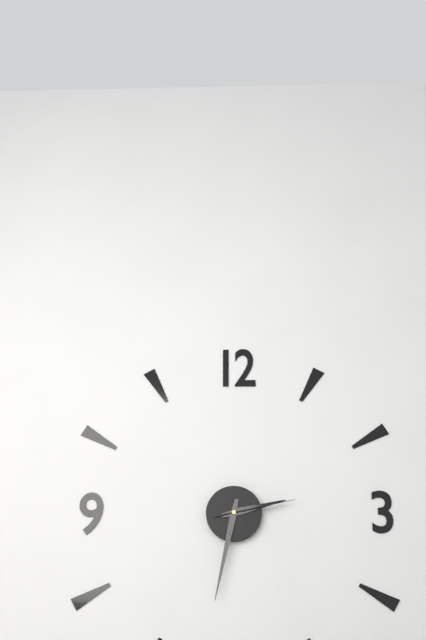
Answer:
2h32m13s
